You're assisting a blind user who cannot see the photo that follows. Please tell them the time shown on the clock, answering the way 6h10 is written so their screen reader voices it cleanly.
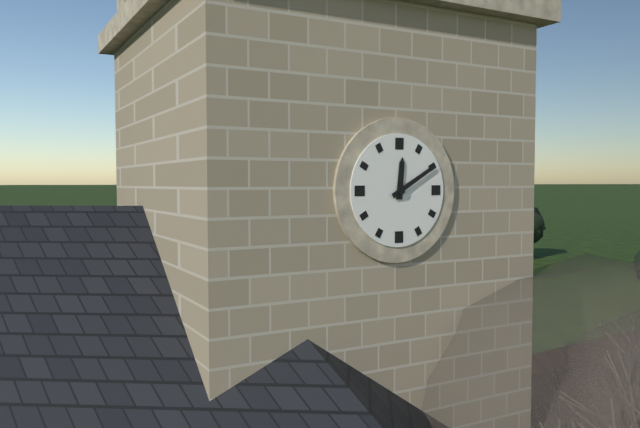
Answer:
12h10
